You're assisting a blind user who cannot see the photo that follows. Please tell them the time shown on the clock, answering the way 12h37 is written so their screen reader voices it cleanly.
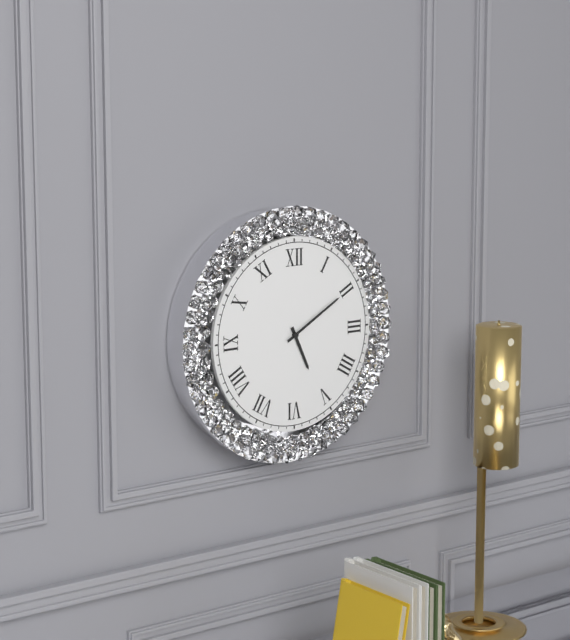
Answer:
5h10
